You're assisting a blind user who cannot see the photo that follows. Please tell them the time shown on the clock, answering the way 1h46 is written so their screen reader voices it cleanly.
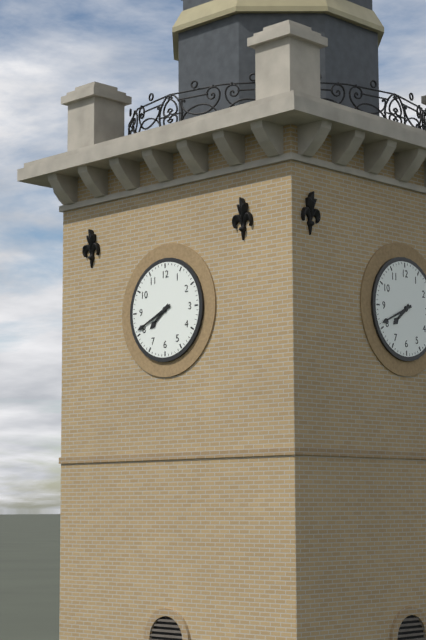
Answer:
7h41
